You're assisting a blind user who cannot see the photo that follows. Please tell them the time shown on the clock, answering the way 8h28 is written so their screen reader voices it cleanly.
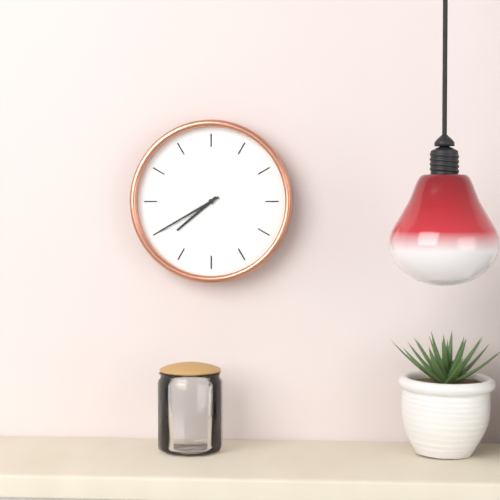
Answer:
7h40
